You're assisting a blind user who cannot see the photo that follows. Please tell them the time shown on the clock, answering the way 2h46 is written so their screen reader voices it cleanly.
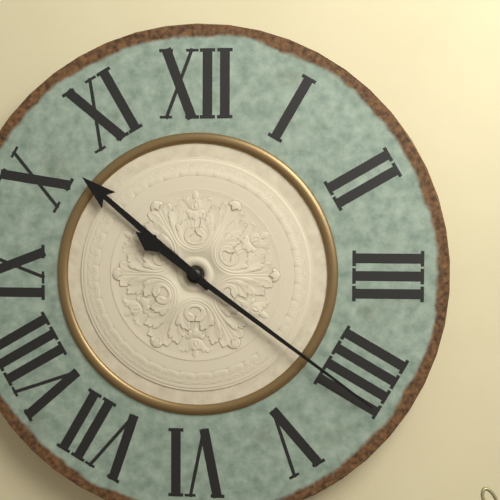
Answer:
10h21
